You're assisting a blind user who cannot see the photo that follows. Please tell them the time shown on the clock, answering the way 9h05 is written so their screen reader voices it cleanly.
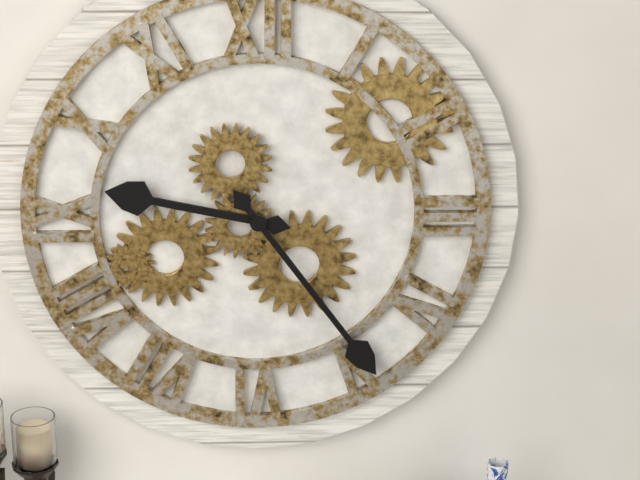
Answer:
9h24
